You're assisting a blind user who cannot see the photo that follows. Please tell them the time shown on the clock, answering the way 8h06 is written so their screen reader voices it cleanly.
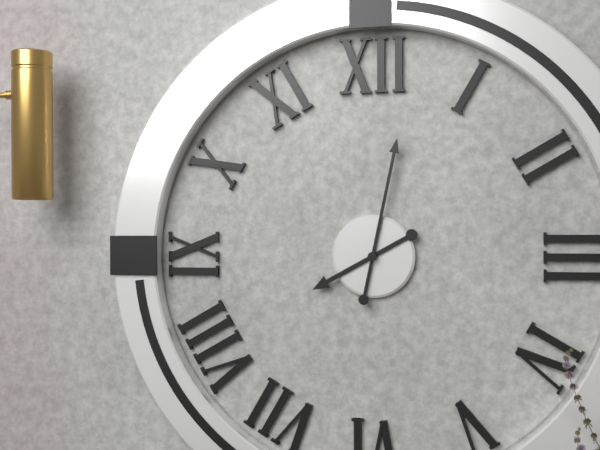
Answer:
8h02
